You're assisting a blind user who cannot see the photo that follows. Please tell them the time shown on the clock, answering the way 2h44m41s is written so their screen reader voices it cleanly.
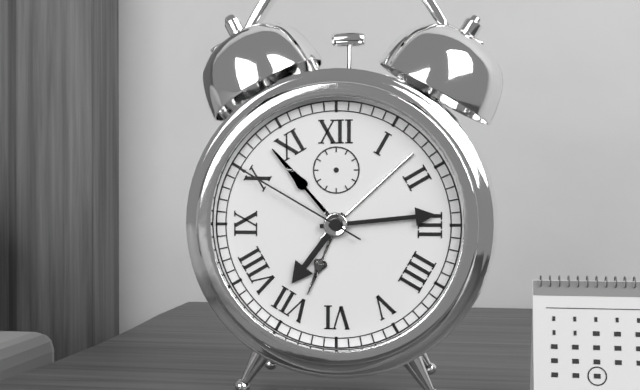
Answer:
7h14m50s
